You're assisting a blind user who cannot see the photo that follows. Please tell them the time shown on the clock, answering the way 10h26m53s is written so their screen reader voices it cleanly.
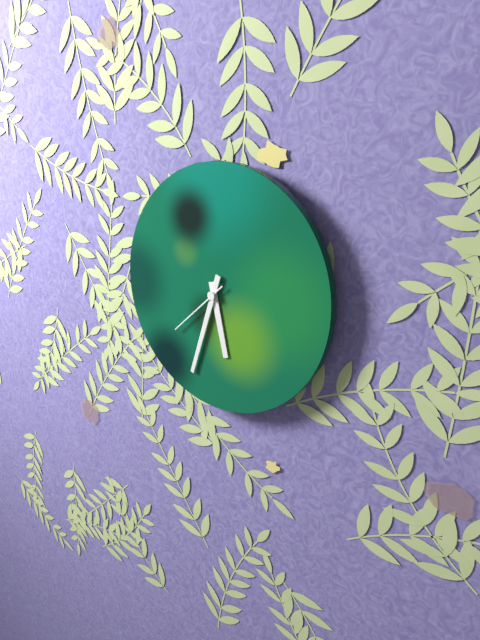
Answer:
5h33m38s
